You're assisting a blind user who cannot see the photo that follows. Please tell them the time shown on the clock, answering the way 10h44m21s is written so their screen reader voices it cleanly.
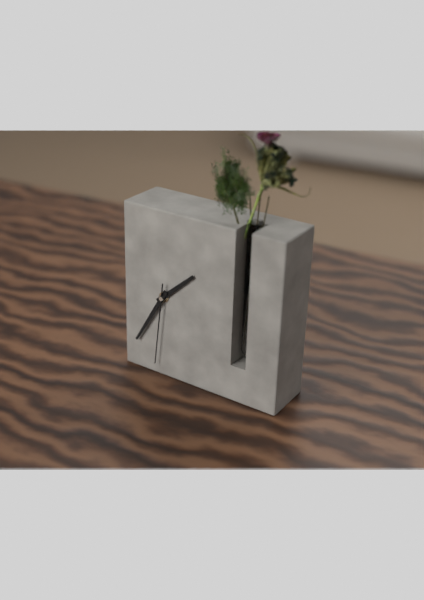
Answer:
1h35m31s
